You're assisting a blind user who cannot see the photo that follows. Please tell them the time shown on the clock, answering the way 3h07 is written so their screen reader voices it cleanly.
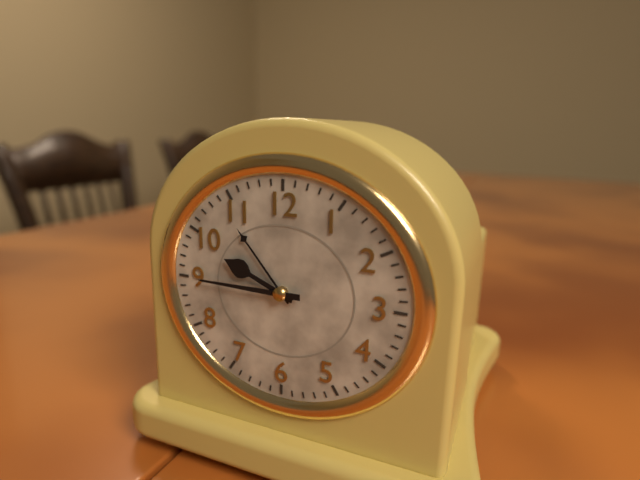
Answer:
9h45
